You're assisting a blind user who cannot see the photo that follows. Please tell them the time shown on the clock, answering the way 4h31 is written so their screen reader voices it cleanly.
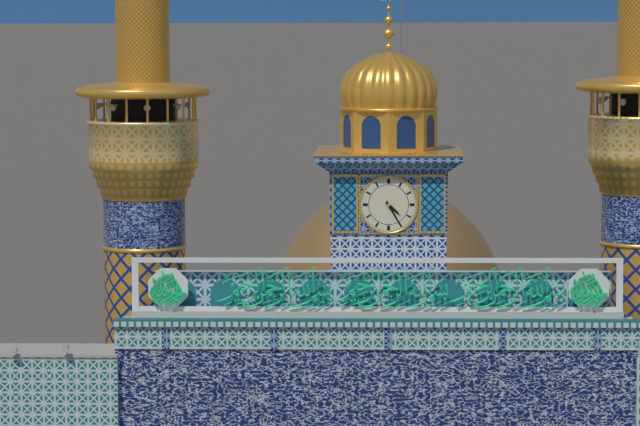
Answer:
4h25
